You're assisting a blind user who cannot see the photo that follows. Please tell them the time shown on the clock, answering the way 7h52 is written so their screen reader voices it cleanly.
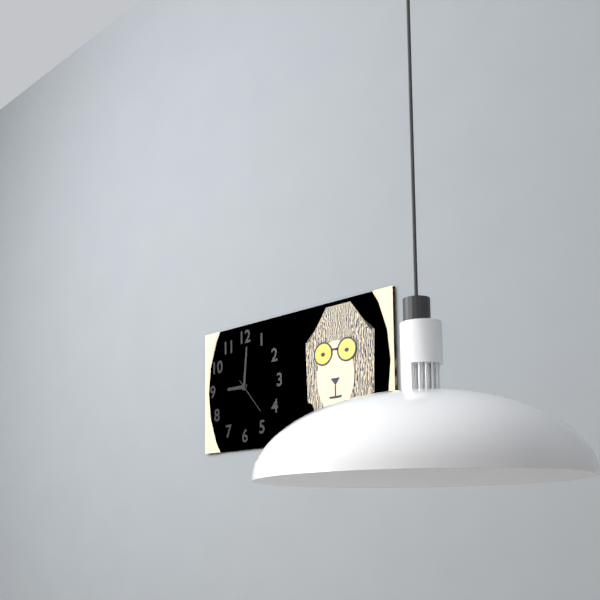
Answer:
9h01
